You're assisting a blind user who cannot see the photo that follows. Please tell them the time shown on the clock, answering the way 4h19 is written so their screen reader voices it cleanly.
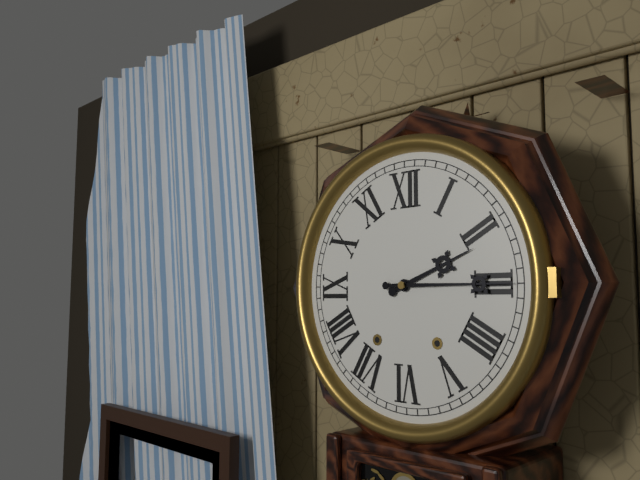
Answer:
2h15
